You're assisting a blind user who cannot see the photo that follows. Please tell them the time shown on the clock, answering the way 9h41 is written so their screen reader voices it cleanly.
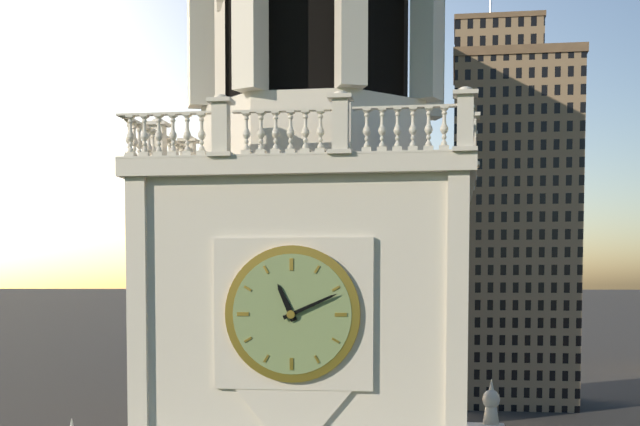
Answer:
11h11
